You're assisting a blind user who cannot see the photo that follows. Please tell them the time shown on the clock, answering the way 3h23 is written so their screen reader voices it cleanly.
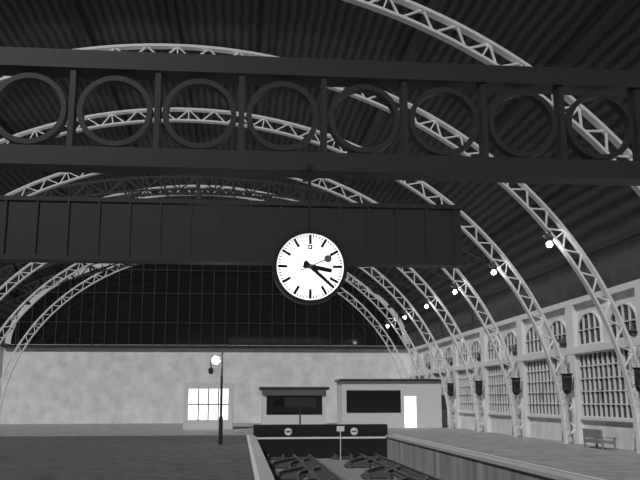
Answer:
3h22
